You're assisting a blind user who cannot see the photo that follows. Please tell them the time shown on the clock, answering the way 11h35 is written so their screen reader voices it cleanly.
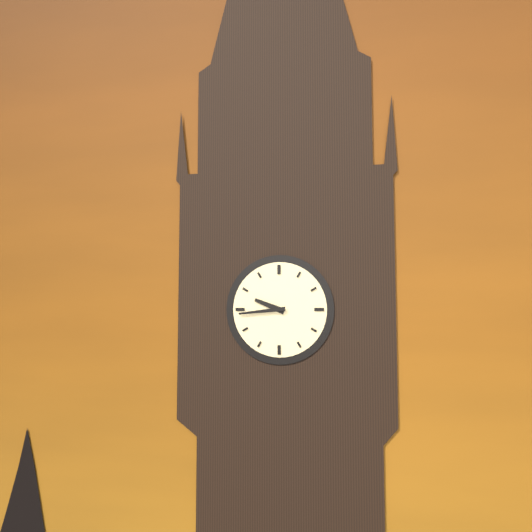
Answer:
9h44
